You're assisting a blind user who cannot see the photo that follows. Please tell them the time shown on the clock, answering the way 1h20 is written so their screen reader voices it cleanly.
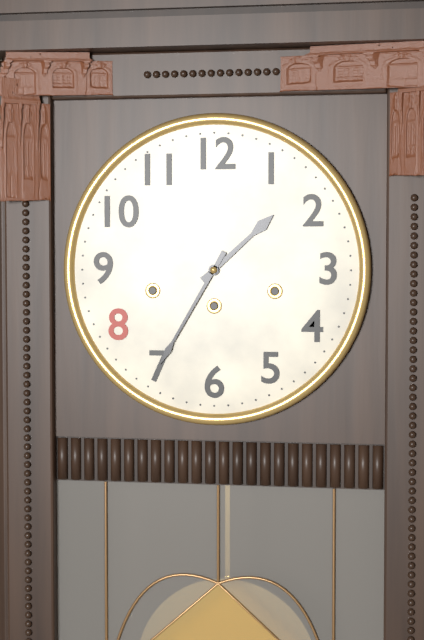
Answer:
1h35
